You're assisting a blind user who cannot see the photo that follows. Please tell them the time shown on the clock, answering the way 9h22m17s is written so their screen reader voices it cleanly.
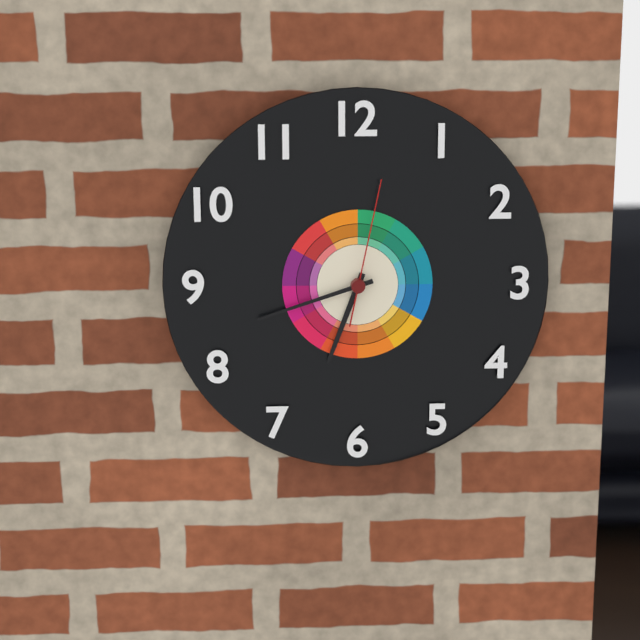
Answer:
6h42m02s
